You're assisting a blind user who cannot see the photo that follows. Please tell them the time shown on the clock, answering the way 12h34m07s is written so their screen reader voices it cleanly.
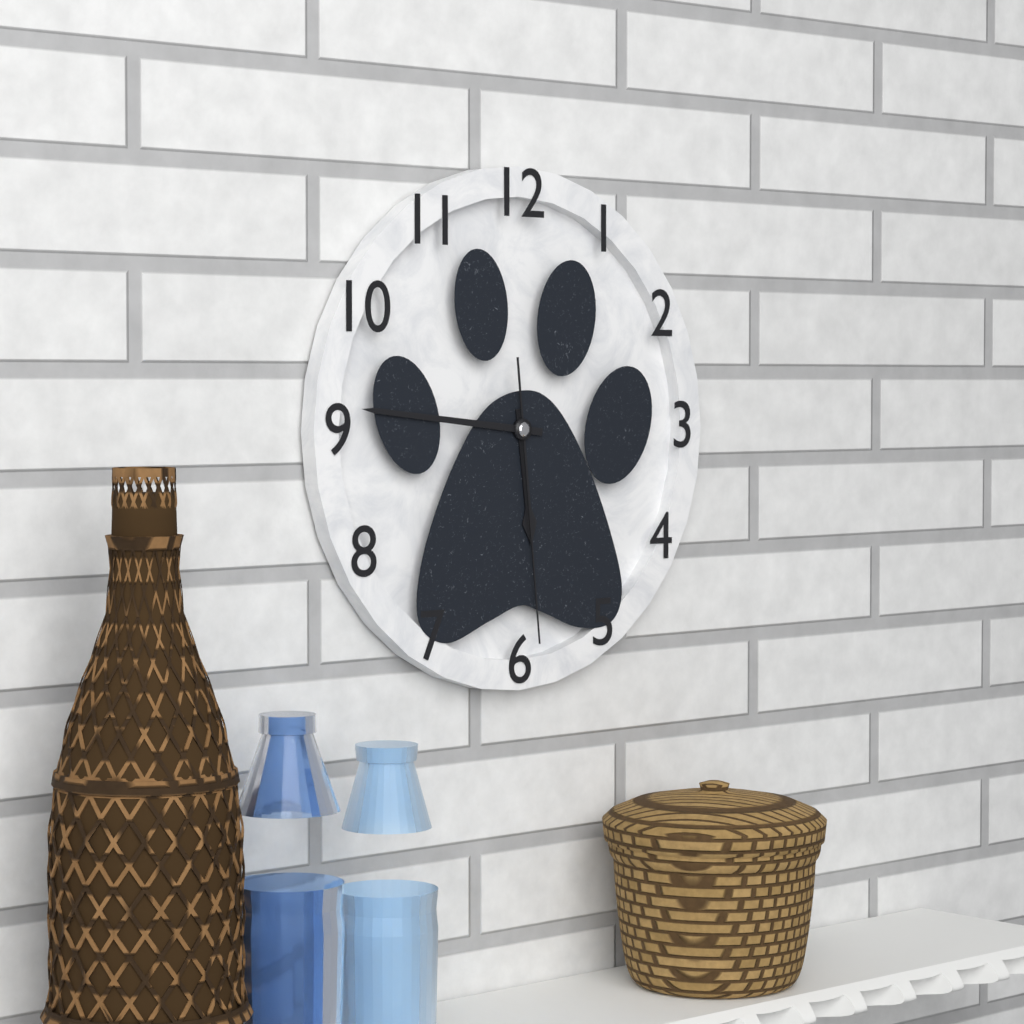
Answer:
5h46m29s
